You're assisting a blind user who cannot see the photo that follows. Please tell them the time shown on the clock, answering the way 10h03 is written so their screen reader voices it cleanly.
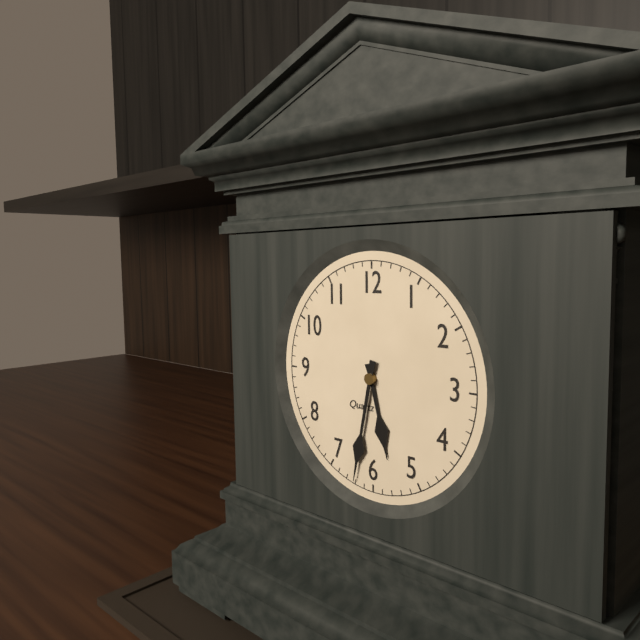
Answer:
5h32
